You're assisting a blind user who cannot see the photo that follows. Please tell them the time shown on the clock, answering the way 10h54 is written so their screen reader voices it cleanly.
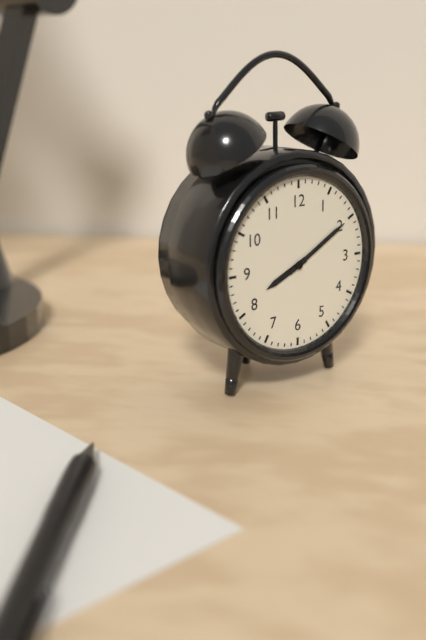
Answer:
8h10
